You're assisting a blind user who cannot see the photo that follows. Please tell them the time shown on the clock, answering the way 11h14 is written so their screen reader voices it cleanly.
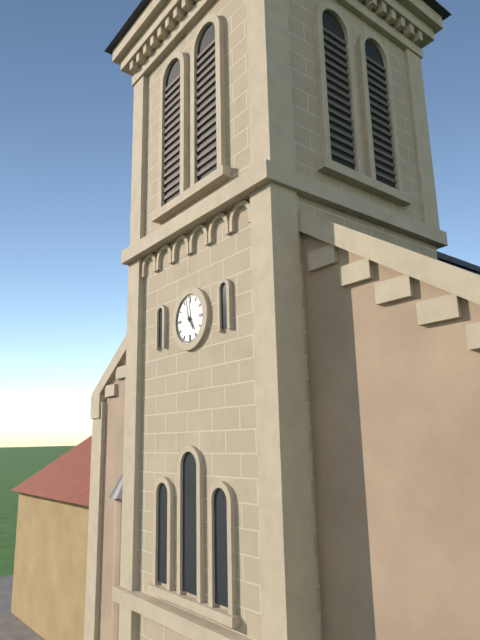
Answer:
4h58
